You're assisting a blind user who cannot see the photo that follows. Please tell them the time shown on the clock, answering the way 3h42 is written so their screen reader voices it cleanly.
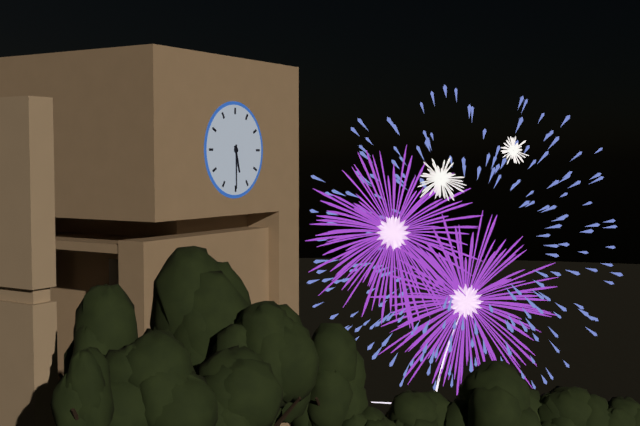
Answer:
5h30
